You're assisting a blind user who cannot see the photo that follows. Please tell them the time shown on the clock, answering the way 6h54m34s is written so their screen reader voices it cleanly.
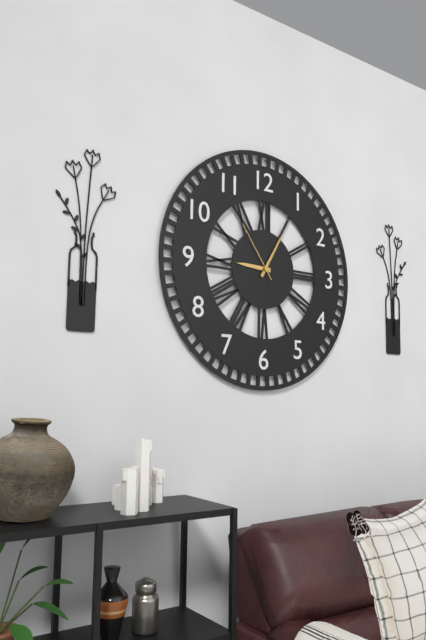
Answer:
9h05m54s
